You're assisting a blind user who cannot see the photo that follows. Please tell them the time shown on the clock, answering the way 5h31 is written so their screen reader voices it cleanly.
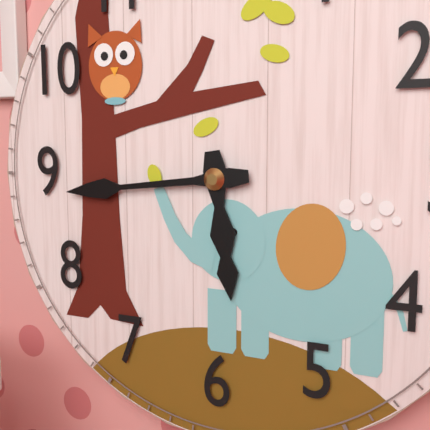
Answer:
5h44
